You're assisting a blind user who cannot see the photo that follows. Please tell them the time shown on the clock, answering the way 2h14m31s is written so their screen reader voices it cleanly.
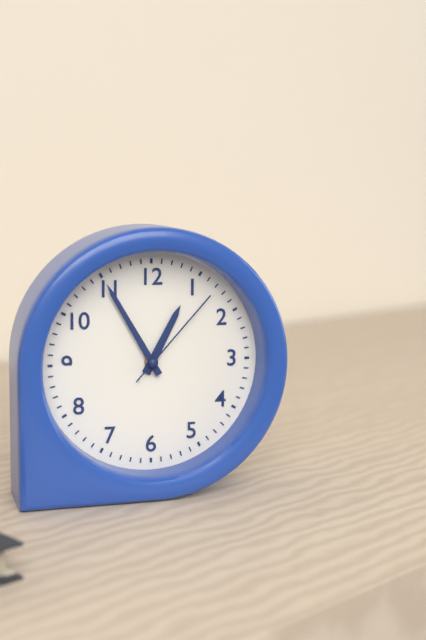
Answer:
12h55m07s
